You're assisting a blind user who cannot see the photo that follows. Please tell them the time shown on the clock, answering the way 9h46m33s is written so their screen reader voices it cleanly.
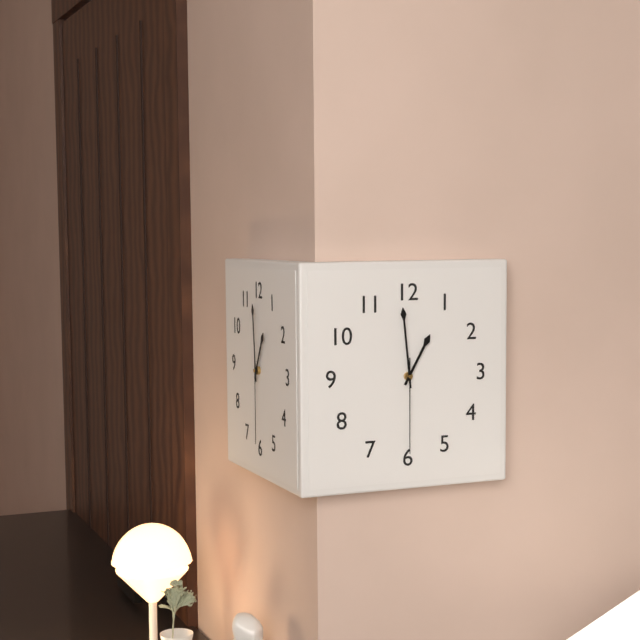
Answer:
12h59m30s
